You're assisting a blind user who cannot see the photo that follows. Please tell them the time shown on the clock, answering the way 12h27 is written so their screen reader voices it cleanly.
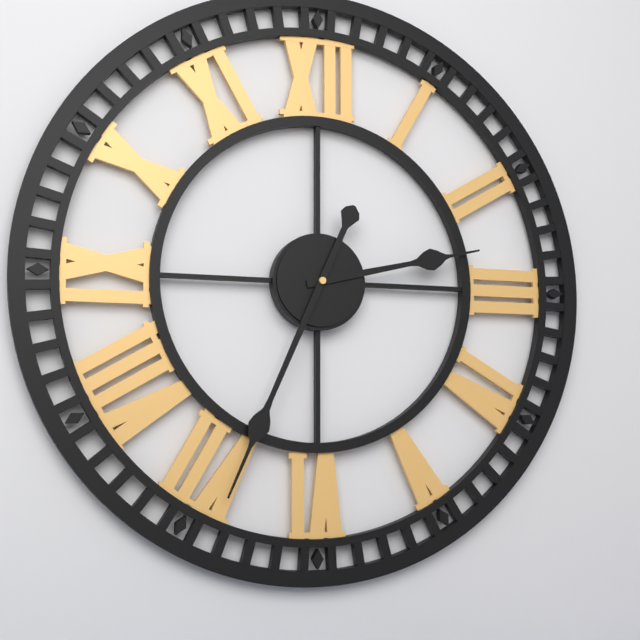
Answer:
2h34
